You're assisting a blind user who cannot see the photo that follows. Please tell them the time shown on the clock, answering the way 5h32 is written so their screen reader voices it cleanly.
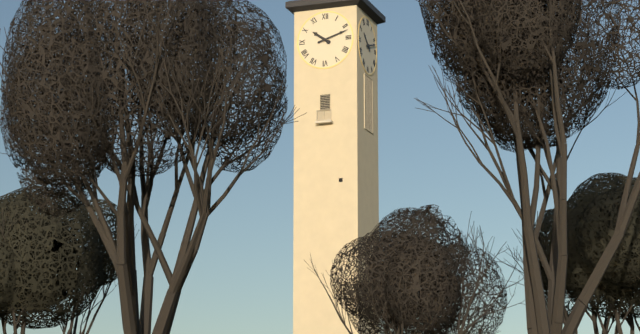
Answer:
10h12
